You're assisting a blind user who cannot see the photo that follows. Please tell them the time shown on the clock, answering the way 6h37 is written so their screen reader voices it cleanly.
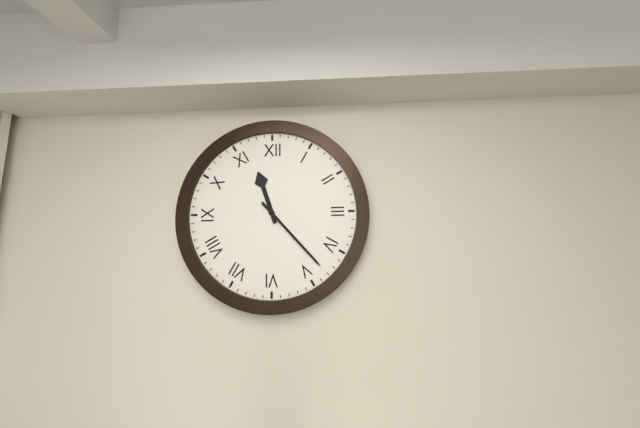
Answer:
11h23
